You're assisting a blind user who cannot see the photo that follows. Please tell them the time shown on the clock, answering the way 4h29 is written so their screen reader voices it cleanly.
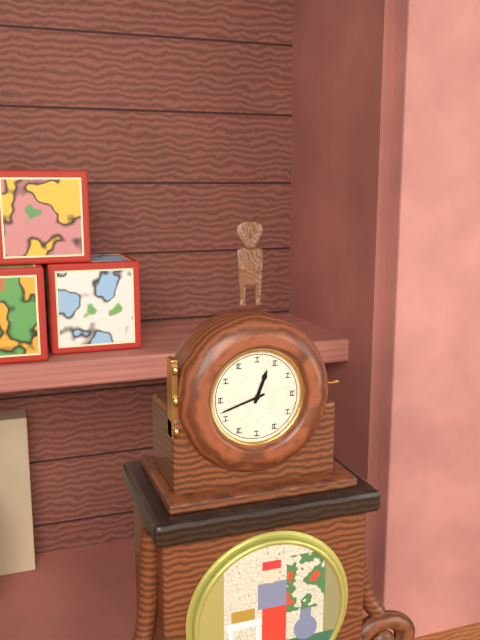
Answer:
12h42
